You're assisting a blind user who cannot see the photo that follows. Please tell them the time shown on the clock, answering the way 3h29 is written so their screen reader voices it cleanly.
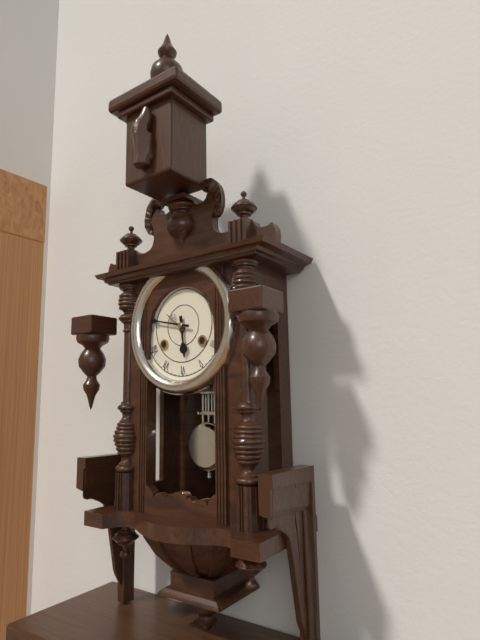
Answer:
5h47
